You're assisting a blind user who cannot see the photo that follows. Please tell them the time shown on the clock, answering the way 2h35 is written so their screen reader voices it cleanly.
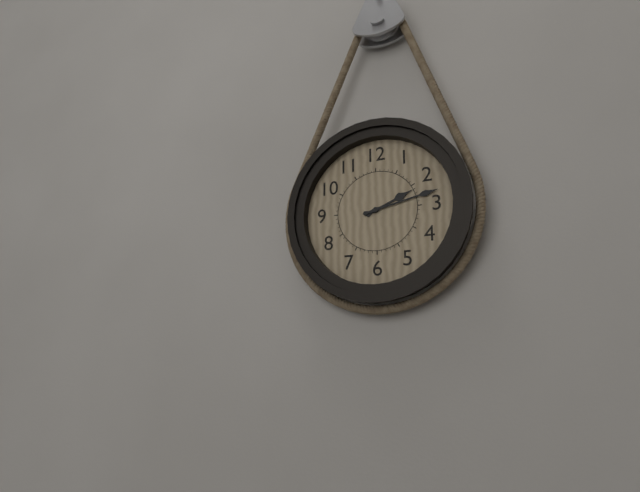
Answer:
2h13
